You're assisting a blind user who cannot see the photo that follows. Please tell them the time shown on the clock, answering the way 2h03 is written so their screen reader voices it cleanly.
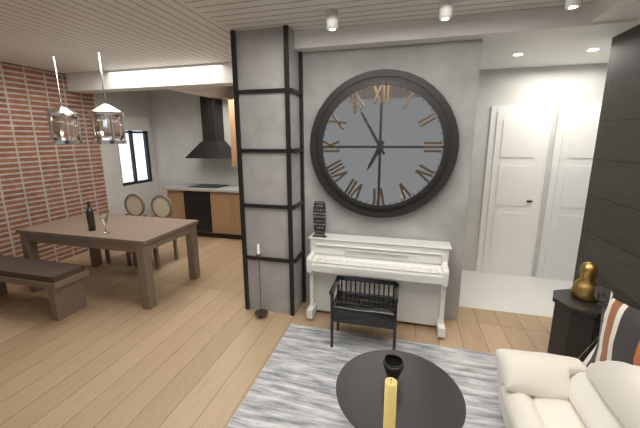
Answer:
6h55
